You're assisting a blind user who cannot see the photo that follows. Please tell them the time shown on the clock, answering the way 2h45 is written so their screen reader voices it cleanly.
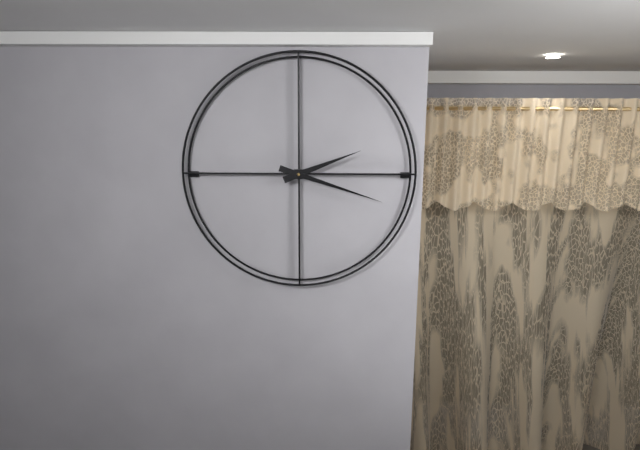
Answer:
2h18
